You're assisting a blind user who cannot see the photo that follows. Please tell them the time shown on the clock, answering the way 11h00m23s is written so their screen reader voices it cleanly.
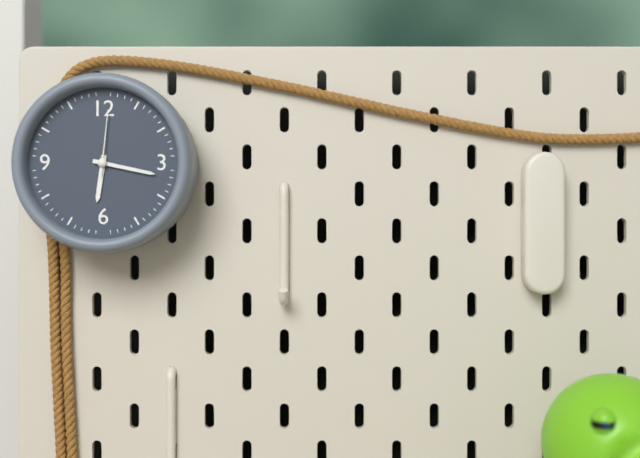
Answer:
6h17m01s
